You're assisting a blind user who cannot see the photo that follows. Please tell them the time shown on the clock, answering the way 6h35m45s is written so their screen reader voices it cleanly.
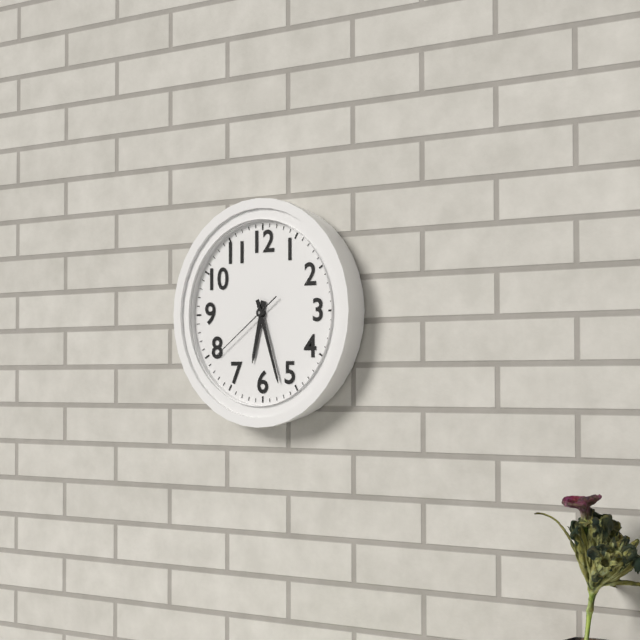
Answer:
6h27m39s
